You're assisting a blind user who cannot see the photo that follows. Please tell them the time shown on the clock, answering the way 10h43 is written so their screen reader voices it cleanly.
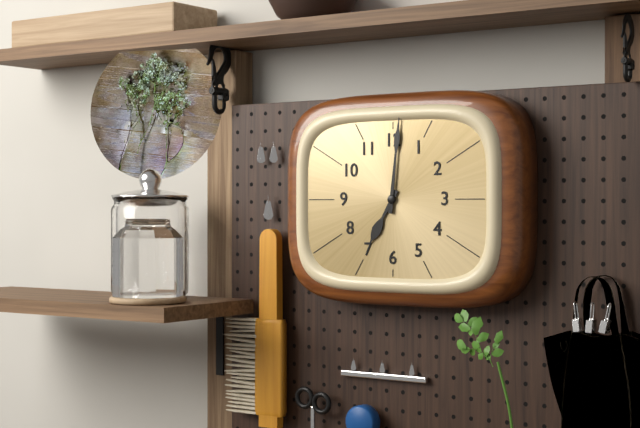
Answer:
7h01
